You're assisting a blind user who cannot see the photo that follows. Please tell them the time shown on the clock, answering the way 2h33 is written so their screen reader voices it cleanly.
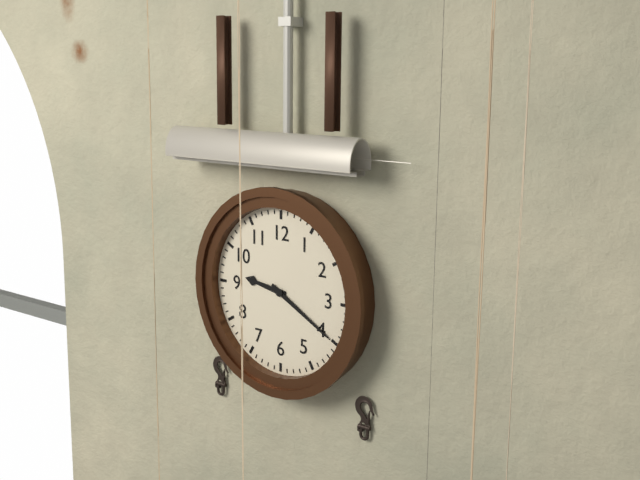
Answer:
9h20
